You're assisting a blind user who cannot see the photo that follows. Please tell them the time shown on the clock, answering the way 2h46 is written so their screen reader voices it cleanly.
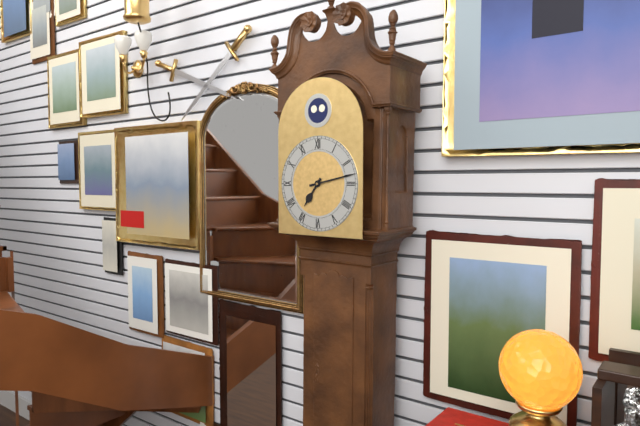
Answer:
7h13
